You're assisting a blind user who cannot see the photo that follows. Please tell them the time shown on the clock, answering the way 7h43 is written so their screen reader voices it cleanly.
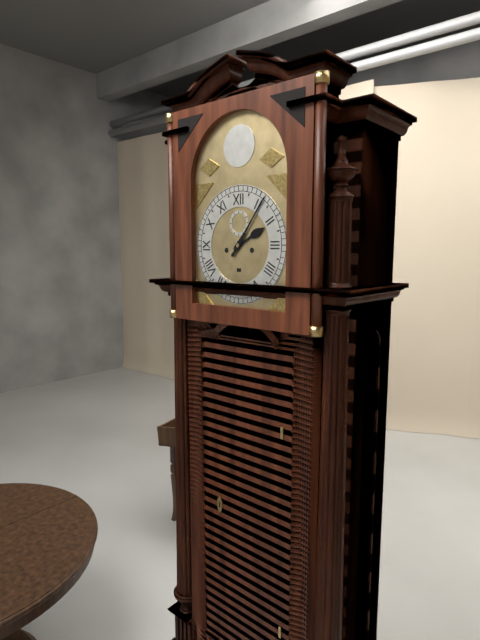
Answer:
2h06
